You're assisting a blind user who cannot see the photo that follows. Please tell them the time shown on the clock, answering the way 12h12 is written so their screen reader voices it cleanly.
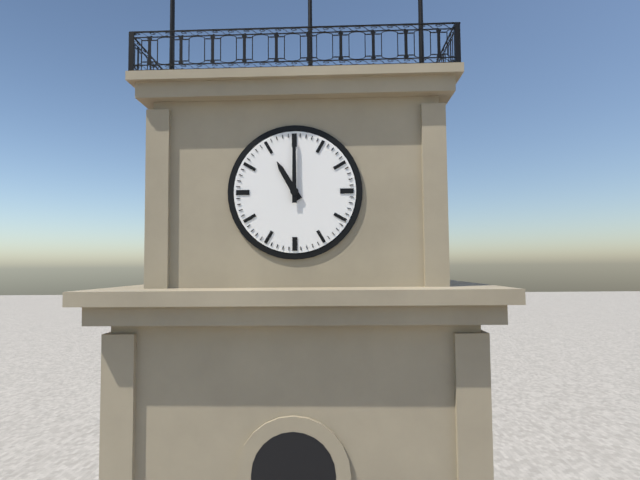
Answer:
11h00
